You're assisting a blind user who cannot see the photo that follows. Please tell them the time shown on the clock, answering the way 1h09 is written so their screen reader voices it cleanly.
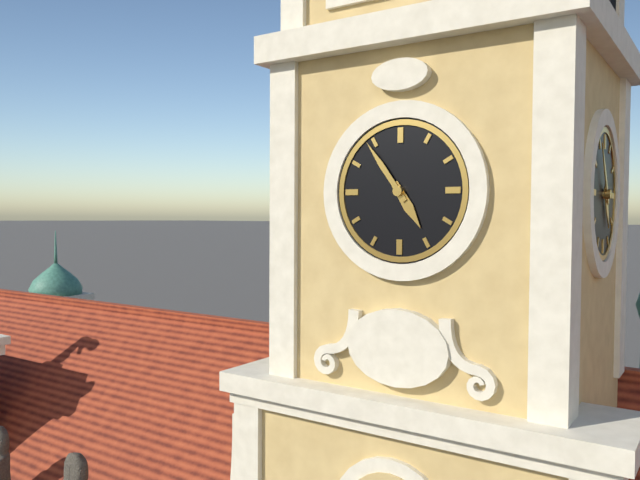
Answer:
4h54
